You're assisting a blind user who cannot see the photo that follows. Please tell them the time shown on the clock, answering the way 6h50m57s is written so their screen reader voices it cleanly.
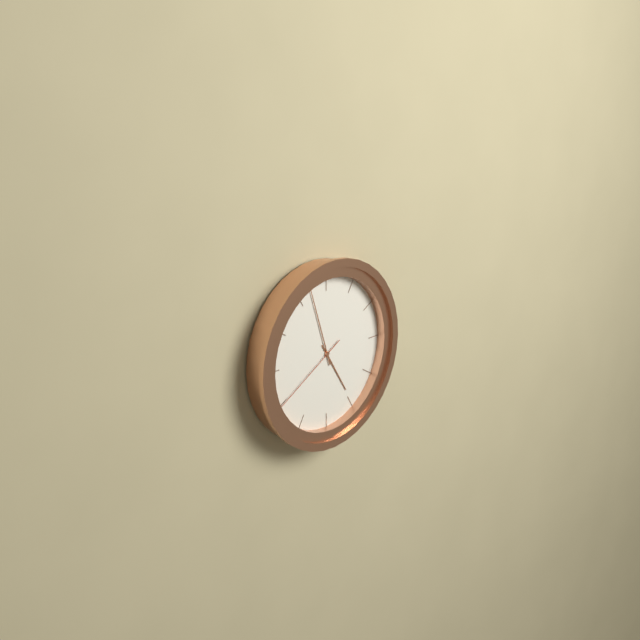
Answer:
4h57m40s
